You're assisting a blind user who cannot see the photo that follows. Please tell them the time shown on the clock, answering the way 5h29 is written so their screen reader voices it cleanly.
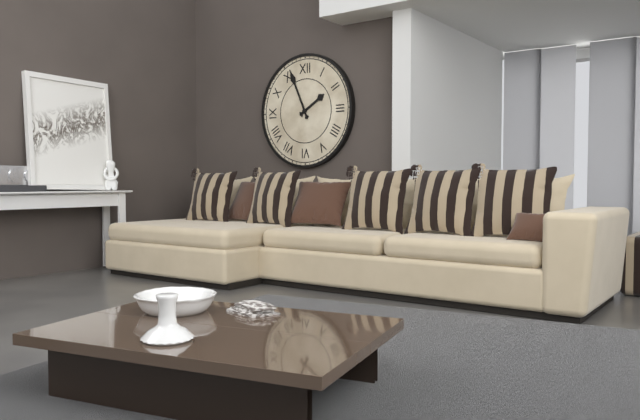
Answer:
1h56
